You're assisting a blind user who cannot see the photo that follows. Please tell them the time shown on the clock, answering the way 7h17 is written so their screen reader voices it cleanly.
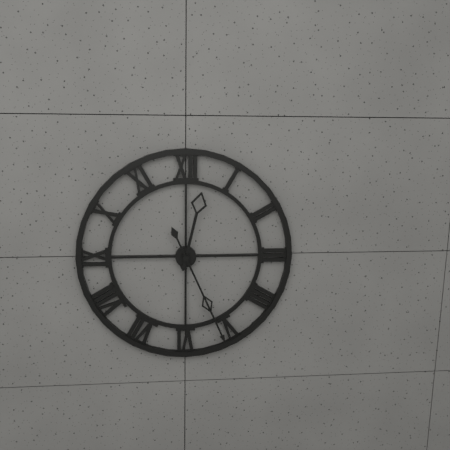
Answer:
12h26
